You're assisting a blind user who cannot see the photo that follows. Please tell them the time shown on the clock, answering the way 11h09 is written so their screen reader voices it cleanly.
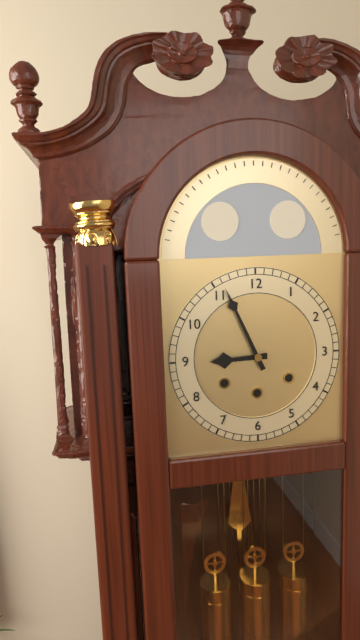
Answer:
8h56
